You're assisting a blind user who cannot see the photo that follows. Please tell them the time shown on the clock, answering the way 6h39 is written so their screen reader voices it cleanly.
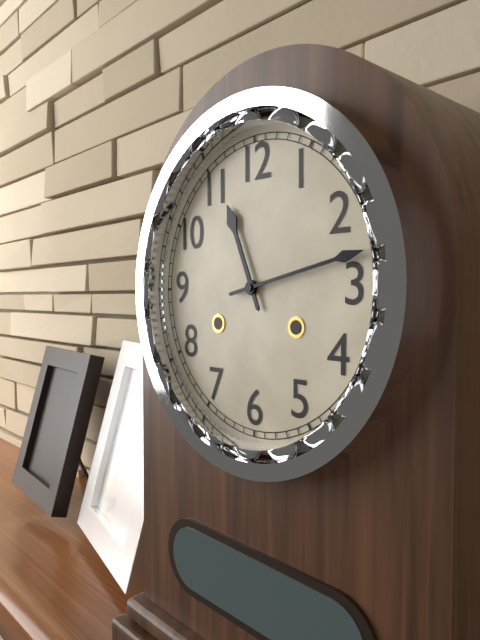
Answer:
11h13
